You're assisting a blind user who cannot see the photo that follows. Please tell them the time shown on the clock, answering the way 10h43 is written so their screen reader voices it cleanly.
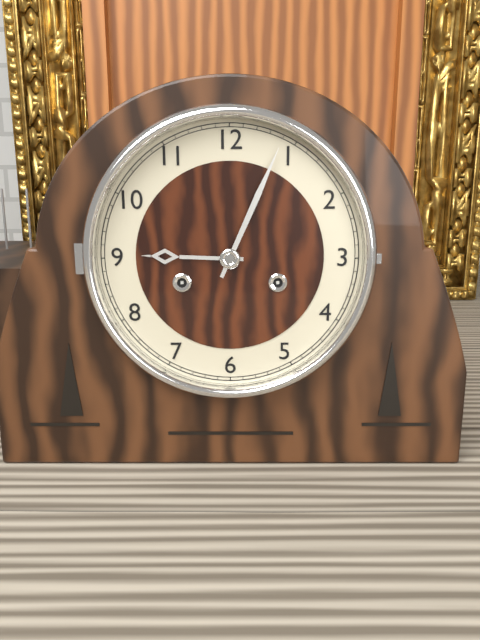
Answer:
9h04
